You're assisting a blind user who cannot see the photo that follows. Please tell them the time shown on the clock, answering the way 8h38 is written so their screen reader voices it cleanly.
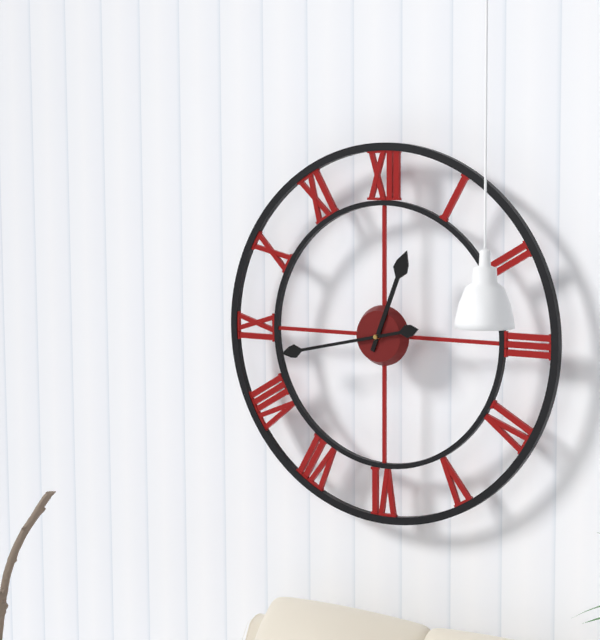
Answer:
12h43
